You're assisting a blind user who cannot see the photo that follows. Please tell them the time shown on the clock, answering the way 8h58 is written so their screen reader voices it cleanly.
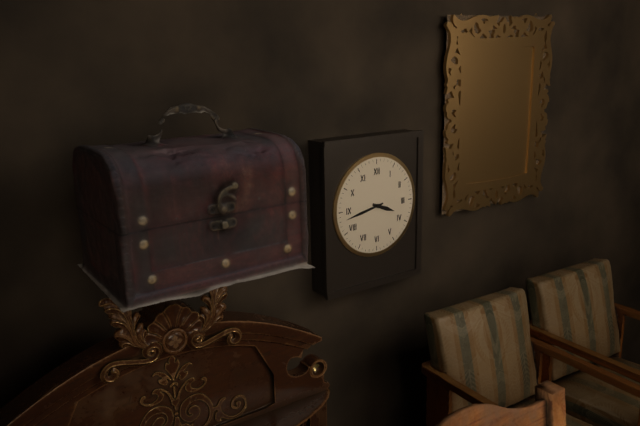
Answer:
3h43
